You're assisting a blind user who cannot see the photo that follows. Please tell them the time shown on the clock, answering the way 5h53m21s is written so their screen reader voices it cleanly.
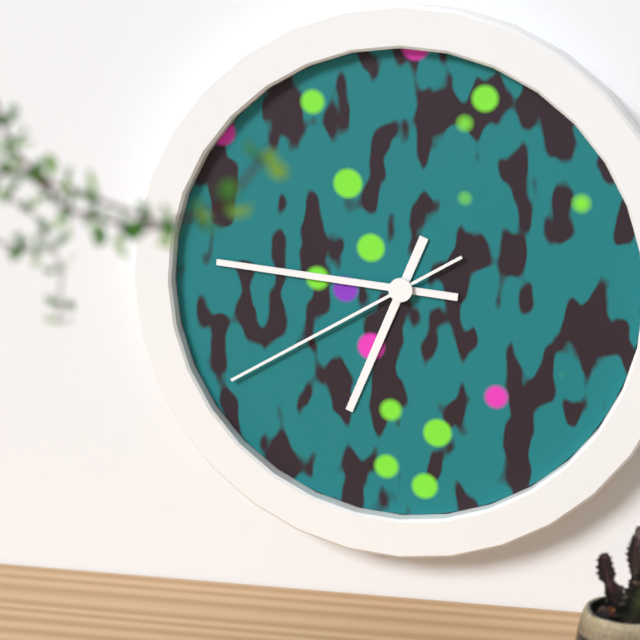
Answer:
6h46m40s
